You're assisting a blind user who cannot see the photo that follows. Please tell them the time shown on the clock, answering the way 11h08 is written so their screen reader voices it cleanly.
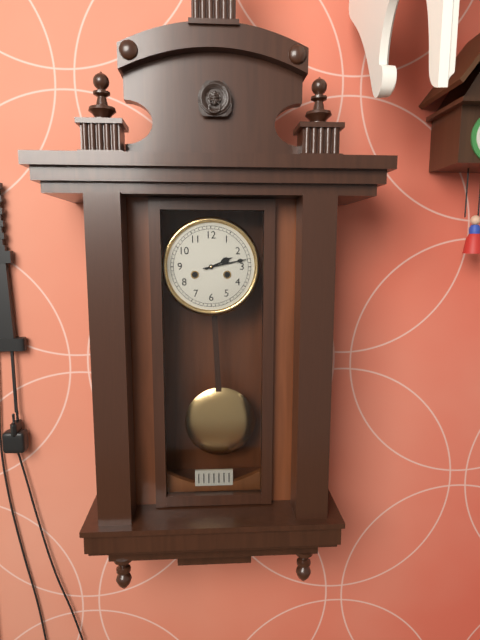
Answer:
2h13
